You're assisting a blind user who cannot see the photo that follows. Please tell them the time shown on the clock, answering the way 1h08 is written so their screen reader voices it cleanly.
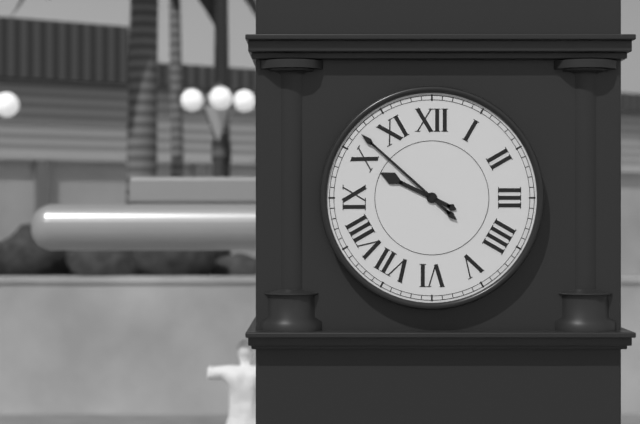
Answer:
9h52
